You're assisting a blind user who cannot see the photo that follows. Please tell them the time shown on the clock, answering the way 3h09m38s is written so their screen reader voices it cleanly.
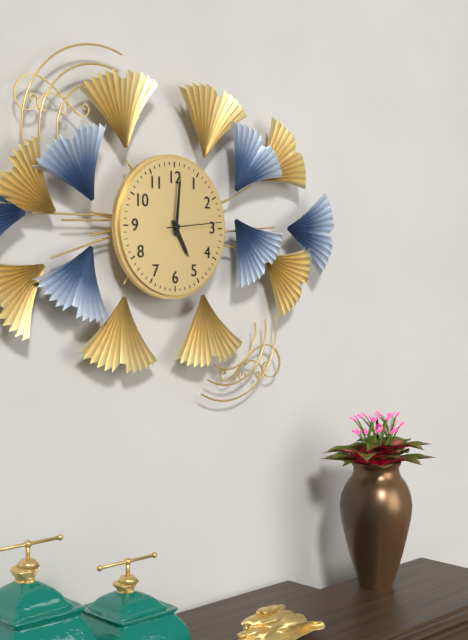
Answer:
5h01m14s
